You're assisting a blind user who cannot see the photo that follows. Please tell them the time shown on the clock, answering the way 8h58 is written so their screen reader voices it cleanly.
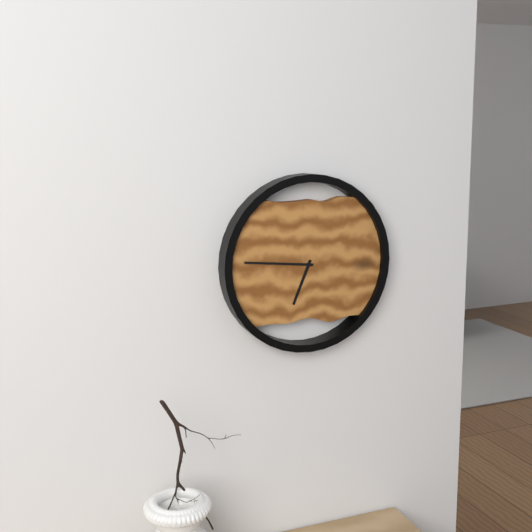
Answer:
6h46
